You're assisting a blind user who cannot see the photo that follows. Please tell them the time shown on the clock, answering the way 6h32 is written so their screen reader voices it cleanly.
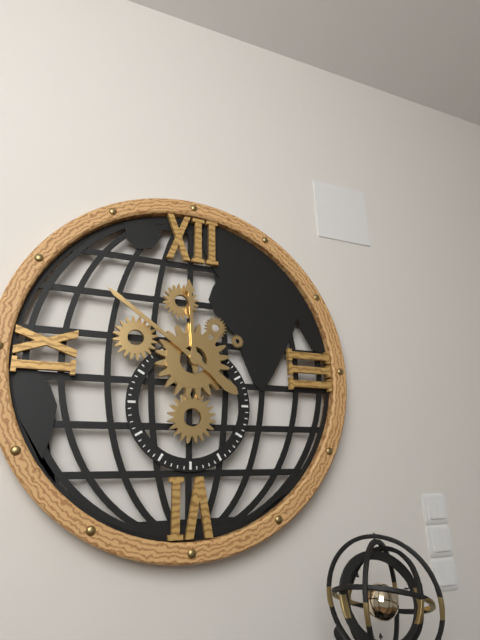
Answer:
11h51
